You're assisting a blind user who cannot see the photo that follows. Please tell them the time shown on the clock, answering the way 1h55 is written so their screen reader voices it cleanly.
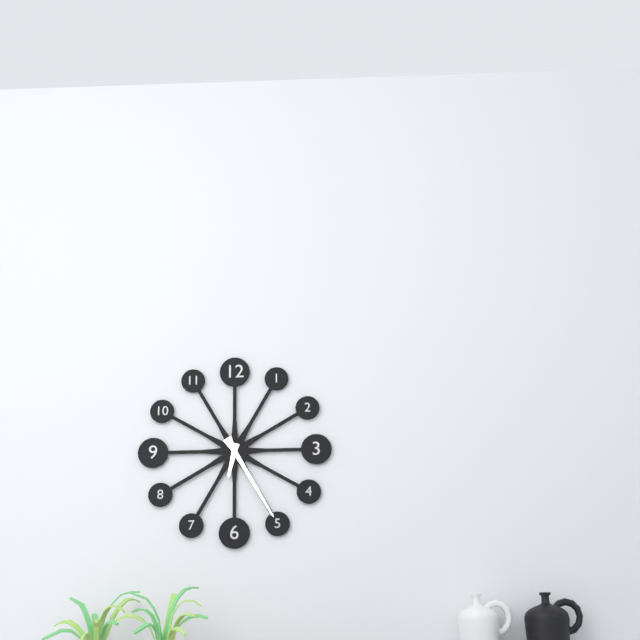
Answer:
6h25
